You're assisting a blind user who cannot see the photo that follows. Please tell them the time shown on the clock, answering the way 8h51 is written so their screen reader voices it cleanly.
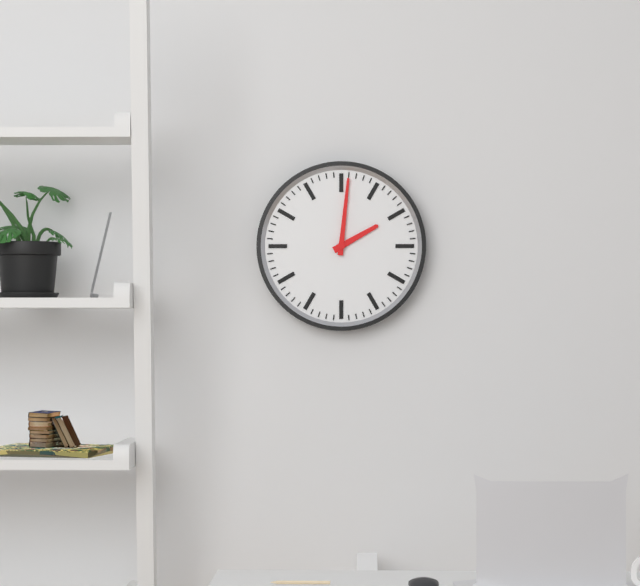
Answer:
2h01
